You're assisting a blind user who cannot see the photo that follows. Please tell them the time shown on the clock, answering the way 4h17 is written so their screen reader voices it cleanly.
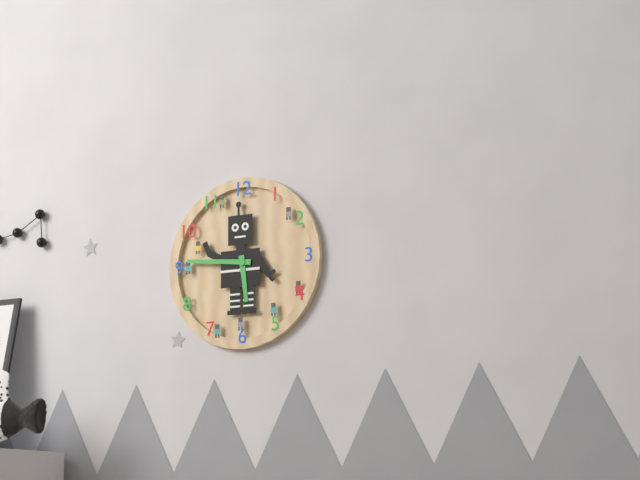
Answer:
5h46
